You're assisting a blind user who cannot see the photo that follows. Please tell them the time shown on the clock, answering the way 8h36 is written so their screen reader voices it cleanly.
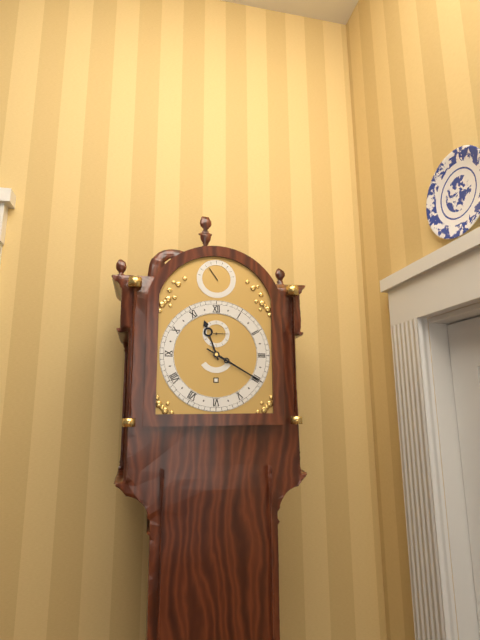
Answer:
11h20
